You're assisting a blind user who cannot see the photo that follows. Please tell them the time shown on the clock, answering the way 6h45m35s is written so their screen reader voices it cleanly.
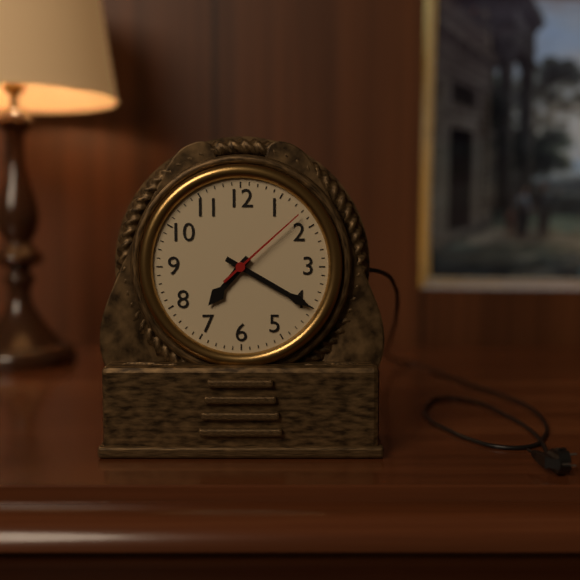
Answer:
7h20m08s
